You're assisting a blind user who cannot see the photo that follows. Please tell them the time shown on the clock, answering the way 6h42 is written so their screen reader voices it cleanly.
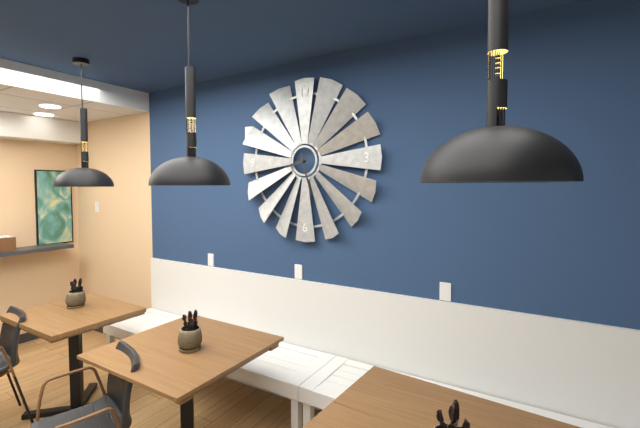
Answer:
8h27
